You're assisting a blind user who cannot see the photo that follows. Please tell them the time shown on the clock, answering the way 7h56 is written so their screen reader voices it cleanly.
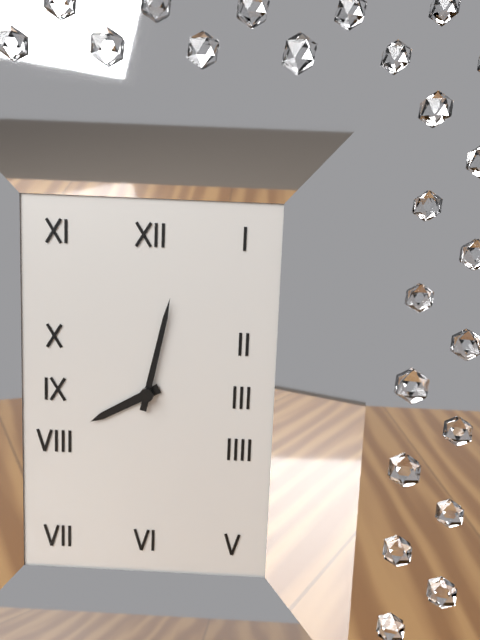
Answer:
8h02
